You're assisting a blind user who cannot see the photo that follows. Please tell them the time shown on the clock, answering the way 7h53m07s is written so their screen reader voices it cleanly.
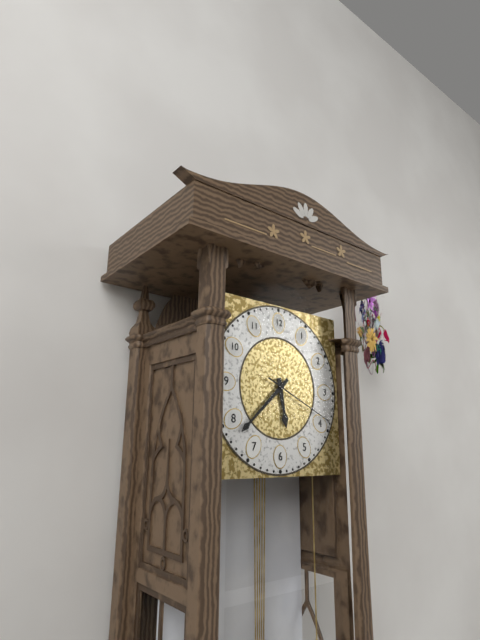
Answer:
5h38m19s
